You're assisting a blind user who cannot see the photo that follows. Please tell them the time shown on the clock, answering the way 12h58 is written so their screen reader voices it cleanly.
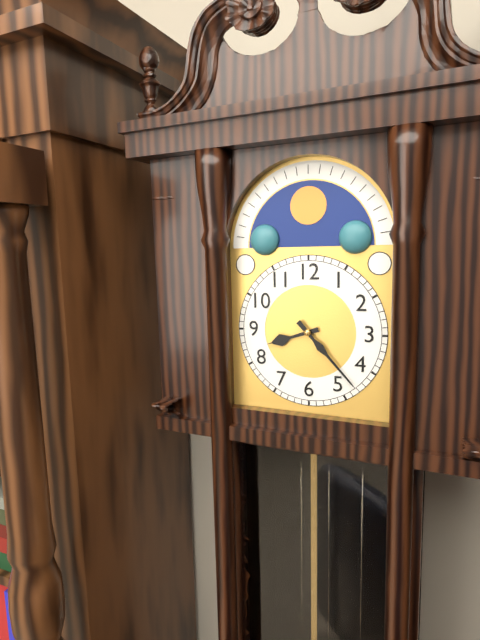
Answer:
8h23
